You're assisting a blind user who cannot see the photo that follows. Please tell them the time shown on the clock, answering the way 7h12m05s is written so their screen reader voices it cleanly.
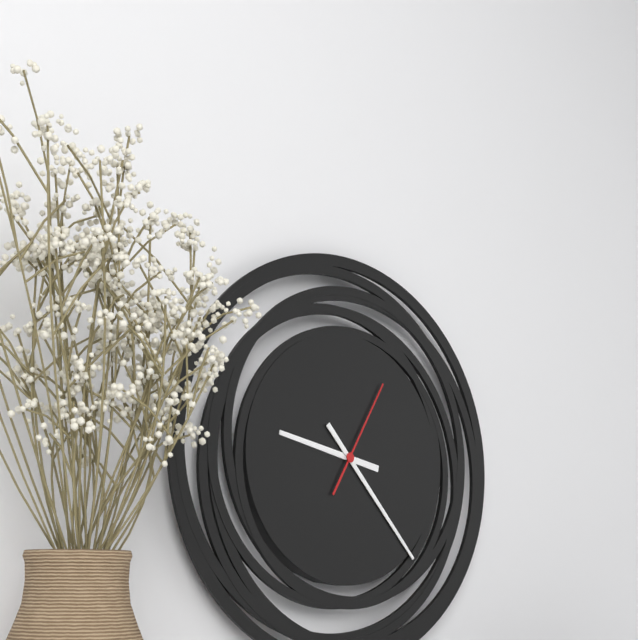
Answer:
9h23m05s
